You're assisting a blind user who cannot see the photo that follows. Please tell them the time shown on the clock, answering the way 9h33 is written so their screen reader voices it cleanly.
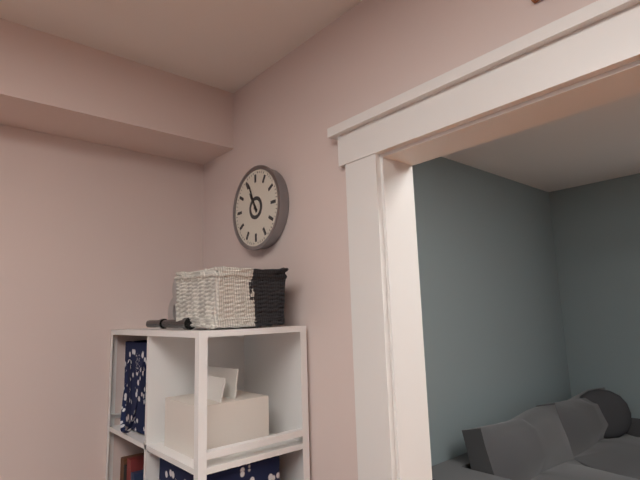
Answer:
10h56
